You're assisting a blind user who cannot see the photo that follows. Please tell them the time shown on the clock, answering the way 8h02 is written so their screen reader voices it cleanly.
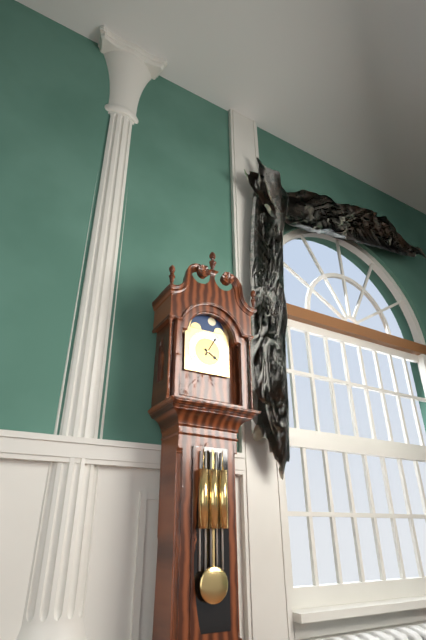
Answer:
4h05
